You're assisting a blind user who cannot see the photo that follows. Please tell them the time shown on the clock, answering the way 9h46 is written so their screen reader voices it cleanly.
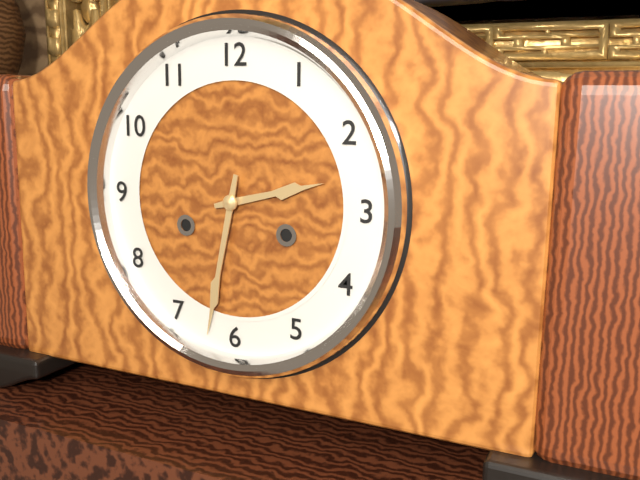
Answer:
2h32
